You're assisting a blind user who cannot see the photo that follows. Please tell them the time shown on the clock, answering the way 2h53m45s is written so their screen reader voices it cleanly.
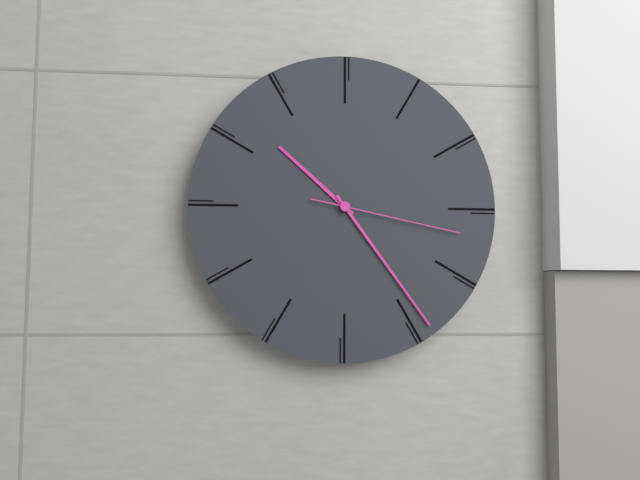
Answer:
10h24m17s
